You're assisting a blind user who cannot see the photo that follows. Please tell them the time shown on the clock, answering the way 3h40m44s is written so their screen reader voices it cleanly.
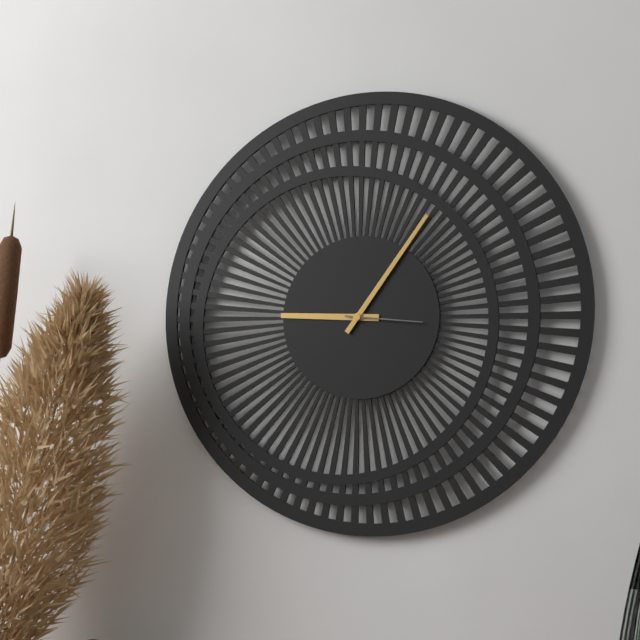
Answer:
9h06m16s
